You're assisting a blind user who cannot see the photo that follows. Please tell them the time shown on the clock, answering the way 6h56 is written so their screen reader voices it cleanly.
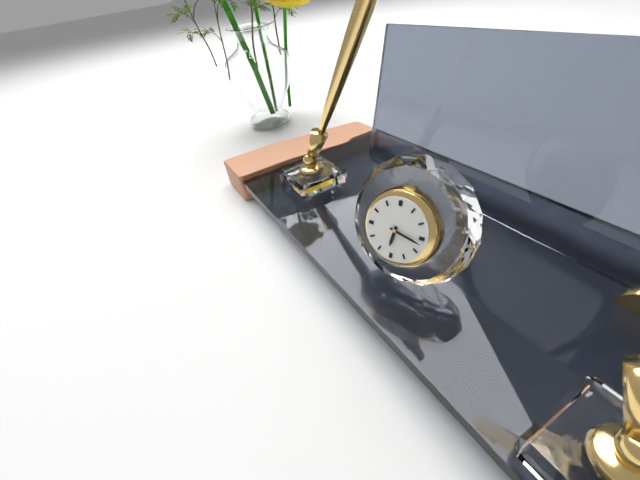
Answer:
6h17
